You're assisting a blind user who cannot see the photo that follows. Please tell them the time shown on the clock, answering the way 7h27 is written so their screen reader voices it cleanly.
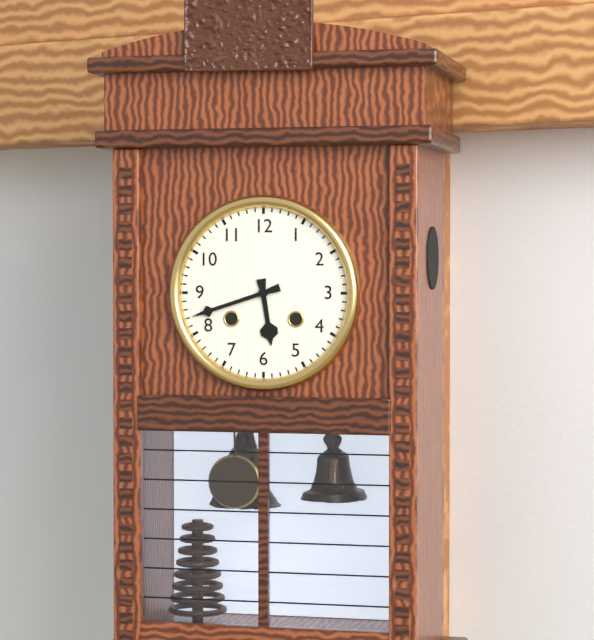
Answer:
5h42
